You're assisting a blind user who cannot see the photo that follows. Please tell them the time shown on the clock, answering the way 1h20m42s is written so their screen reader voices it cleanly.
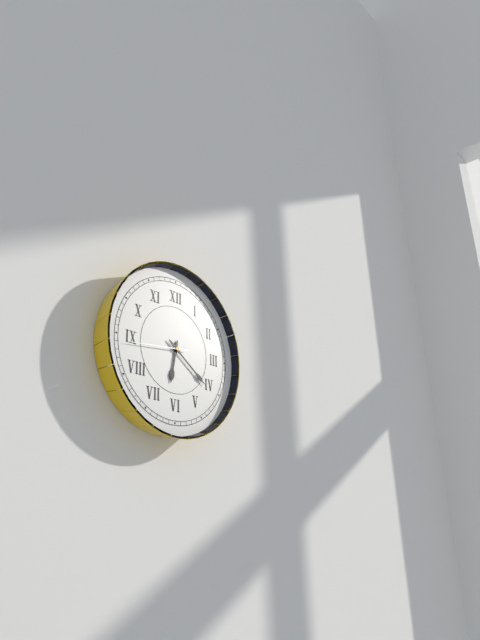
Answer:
6h21m44s
